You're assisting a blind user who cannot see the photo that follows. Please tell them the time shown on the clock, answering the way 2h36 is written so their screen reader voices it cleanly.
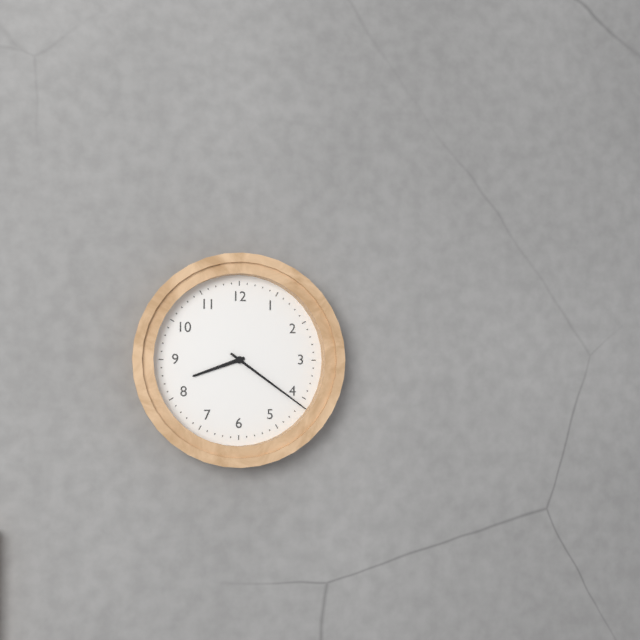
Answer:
8h21
